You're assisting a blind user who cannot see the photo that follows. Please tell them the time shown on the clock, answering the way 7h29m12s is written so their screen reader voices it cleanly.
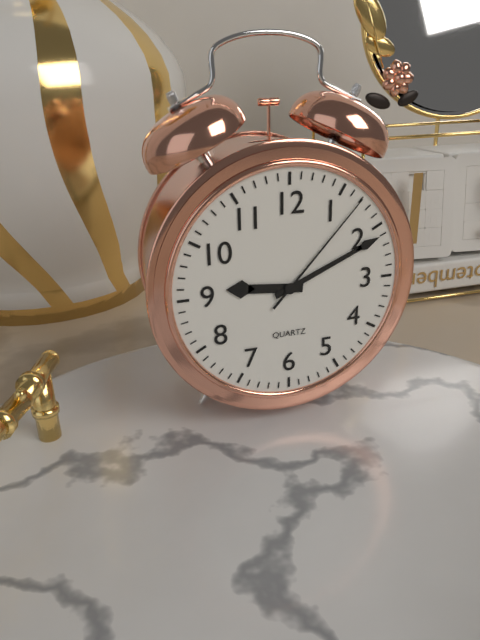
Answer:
9h11m07s
